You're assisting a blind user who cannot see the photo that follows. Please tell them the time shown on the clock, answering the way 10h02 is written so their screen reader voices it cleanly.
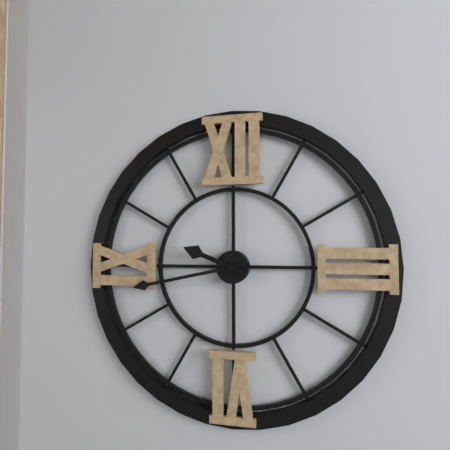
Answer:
9h43
